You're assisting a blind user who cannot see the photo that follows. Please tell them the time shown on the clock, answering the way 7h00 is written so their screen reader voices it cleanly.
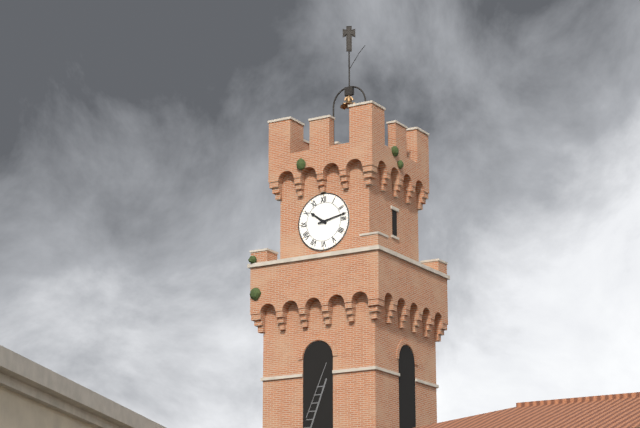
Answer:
10h13
